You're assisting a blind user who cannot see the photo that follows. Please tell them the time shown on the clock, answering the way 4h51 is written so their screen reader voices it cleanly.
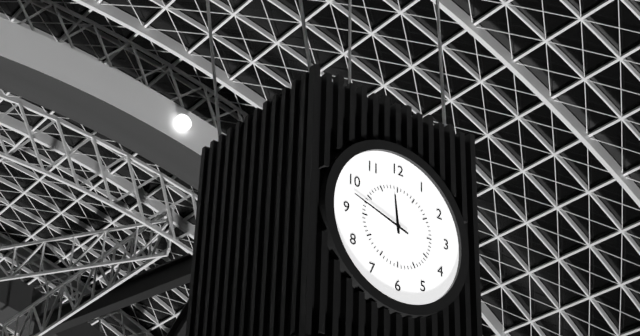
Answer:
11h48
